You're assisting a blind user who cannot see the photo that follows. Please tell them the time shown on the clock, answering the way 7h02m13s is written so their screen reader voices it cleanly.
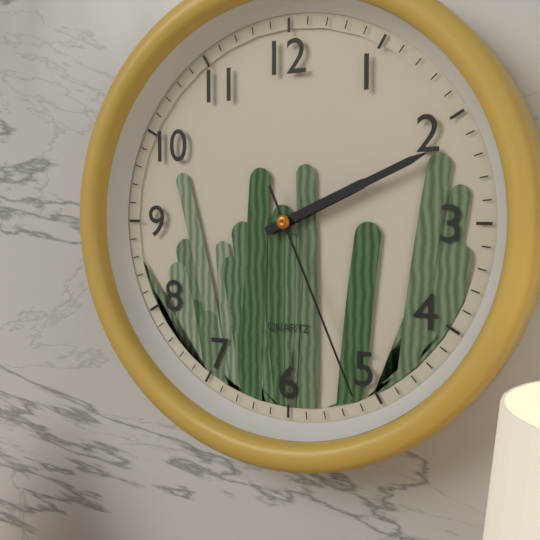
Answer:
2h11m26s
